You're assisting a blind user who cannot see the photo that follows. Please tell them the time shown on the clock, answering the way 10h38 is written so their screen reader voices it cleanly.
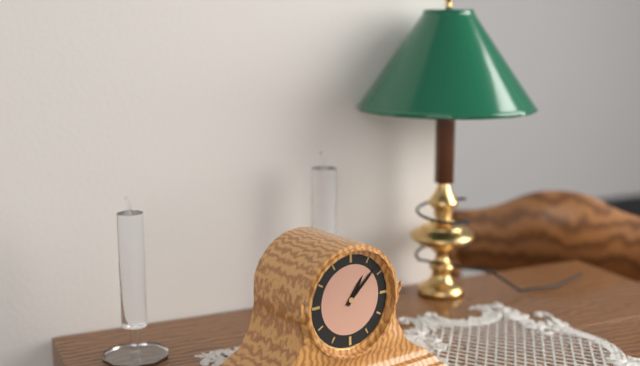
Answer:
1h08
